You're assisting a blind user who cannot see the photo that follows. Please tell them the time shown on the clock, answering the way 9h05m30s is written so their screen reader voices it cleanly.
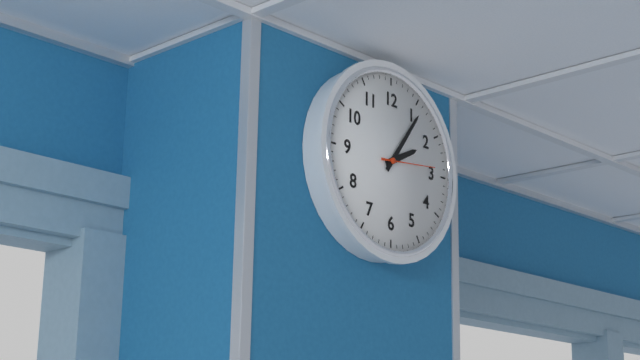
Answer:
2h06m14s
